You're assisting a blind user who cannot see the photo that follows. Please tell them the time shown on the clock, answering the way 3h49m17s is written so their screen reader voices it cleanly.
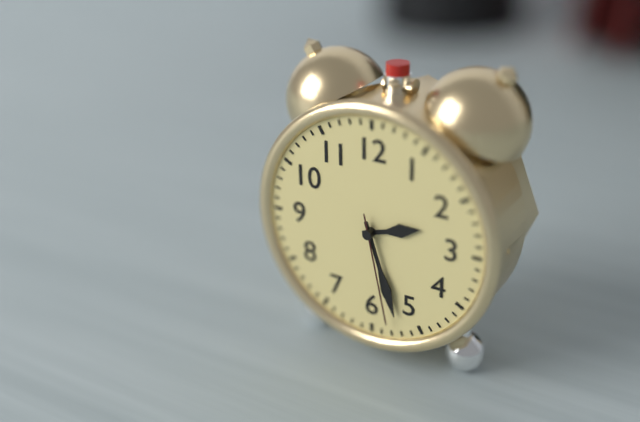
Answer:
2h27m28s
